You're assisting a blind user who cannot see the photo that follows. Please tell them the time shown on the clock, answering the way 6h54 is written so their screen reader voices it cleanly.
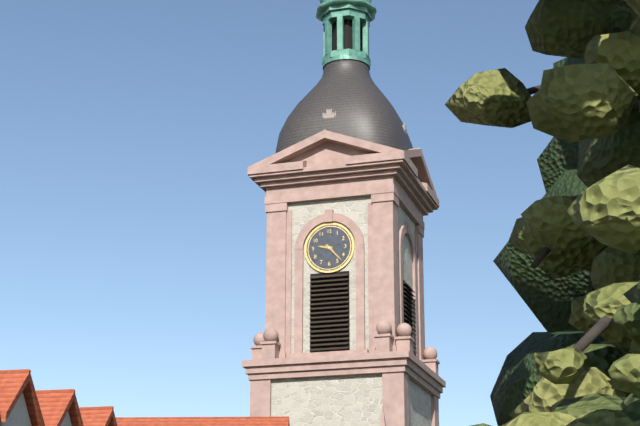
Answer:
9h23
